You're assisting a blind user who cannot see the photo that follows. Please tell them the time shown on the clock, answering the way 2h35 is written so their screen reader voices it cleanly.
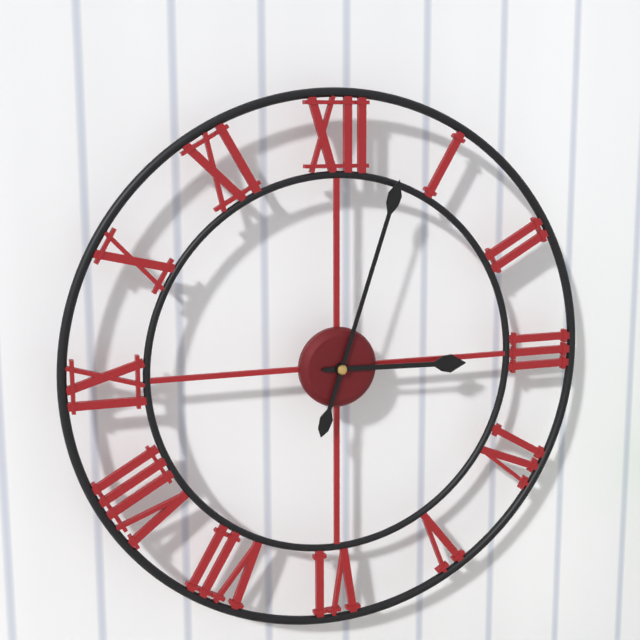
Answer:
3h03
